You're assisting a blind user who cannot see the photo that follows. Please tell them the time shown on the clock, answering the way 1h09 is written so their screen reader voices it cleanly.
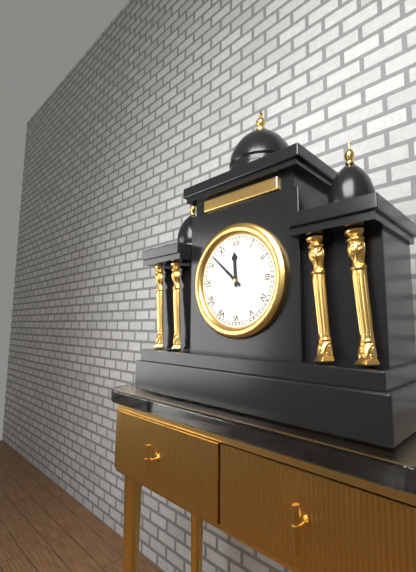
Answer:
11h52
